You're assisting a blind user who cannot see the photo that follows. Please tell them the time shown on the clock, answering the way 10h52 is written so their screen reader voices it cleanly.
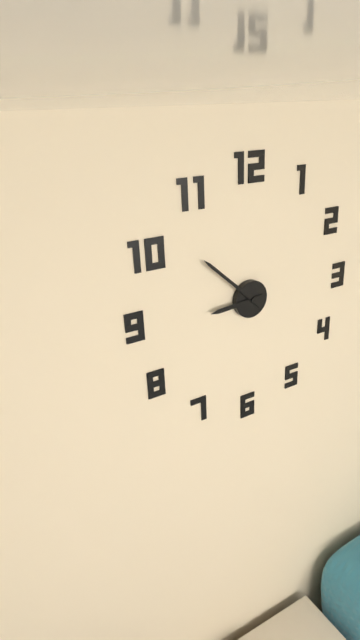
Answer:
8h52
